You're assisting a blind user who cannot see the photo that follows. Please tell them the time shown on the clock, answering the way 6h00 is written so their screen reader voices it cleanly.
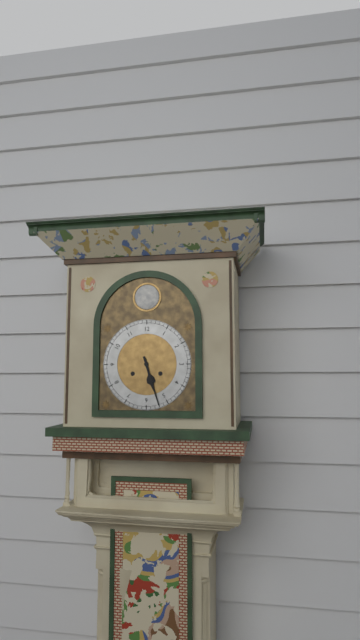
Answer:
5h27
